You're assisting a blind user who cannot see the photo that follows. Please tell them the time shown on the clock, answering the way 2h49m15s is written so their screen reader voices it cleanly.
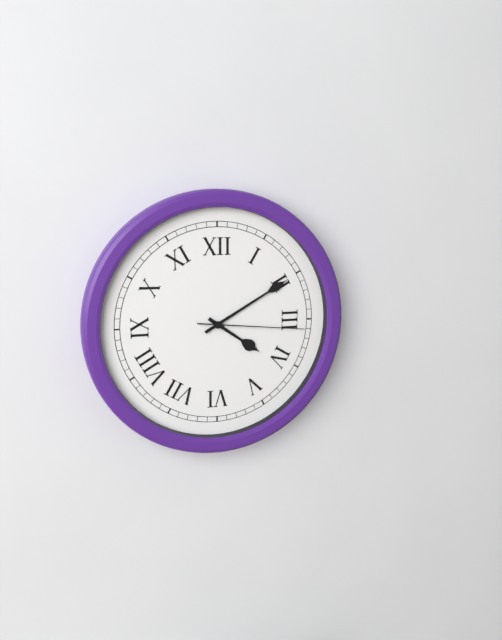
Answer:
4h10m16s
